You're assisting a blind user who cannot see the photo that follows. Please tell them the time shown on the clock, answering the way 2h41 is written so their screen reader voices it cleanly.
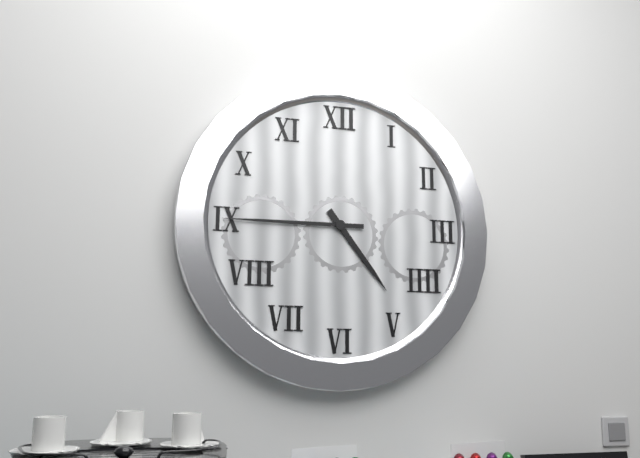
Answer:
4h45
